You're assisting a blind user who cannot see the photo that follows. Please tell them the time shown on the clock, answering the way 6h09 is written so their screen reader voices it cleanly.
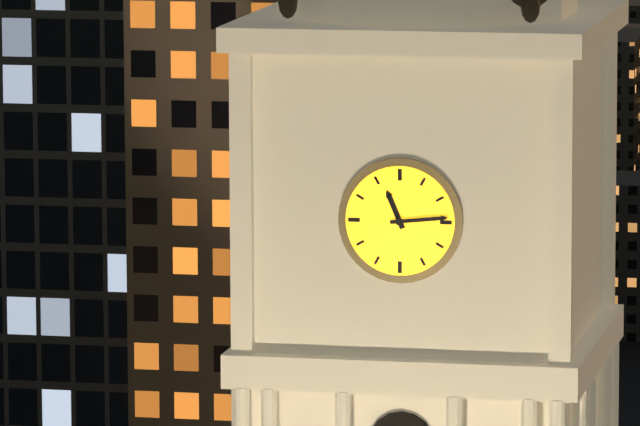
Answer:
11h14
